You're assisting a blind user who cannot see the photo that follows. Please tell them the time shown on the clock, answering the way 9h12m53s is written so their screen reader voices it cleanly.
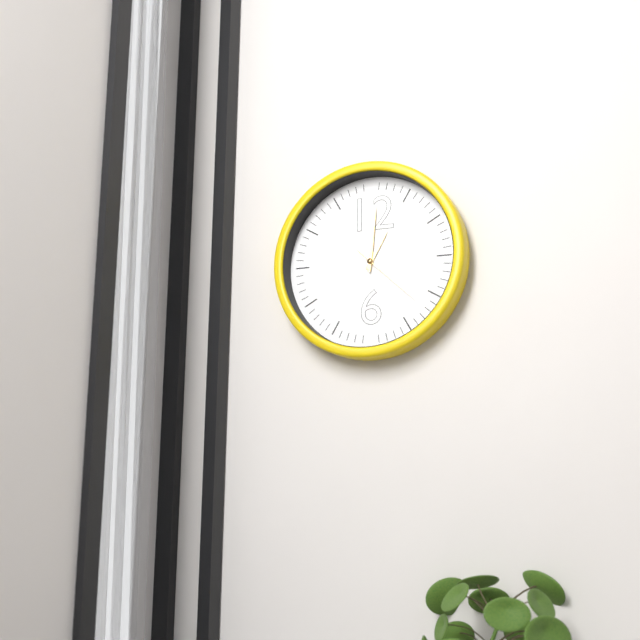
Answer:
1h01m22s
